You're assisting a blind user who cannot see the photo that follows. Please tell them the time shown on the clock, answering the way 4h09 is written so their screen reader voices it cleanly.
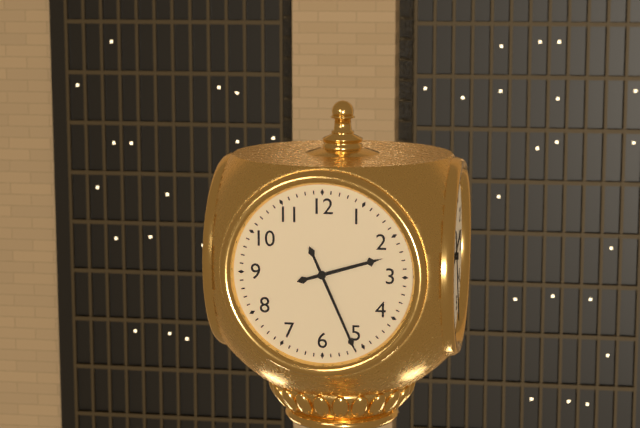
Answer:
2h26
